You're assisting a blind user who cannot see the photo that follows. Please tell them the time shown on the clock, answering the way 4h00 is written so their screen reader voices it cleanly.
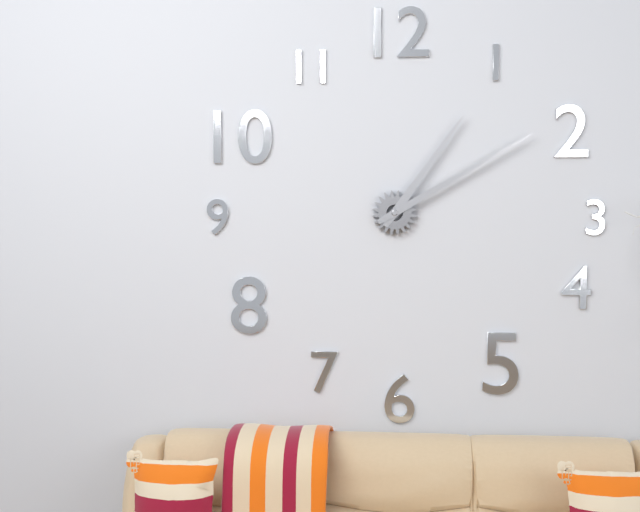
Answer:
1h10
